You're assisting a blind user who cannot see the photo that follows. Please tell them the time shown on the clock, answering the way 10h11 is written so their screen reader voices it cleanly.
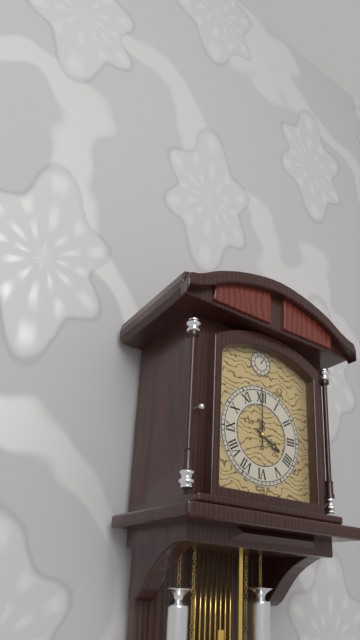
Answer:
4h00
